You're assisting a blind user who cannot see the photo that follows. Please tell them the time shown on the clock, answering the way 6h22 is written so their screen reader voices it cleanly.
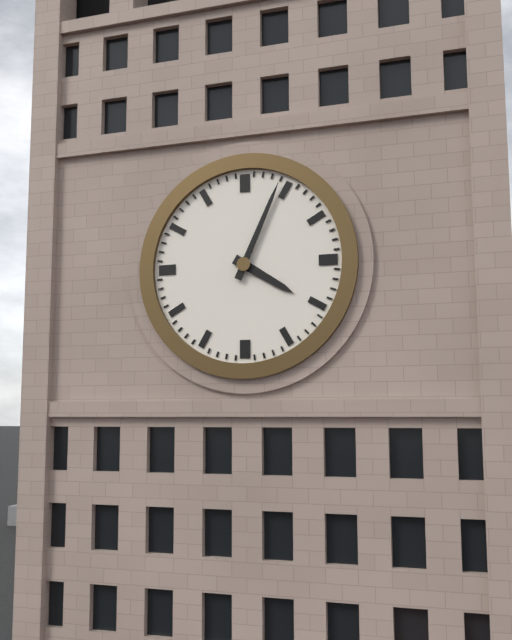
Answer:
4h04
